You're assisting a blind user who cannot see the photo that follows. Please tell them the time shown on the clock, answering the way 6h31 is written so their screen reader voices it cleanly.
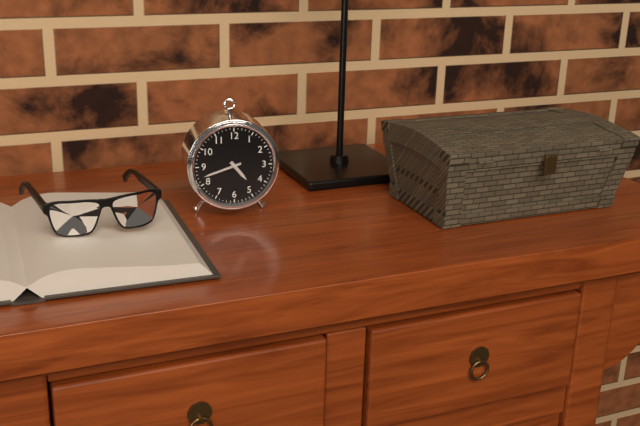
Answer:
4h42
